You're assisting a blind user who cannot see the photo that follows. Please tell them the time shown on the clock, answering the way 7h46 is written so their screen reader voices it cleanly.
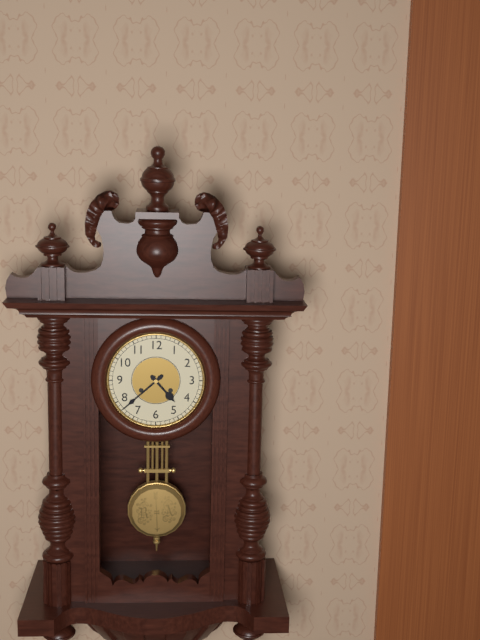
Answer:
4h38
